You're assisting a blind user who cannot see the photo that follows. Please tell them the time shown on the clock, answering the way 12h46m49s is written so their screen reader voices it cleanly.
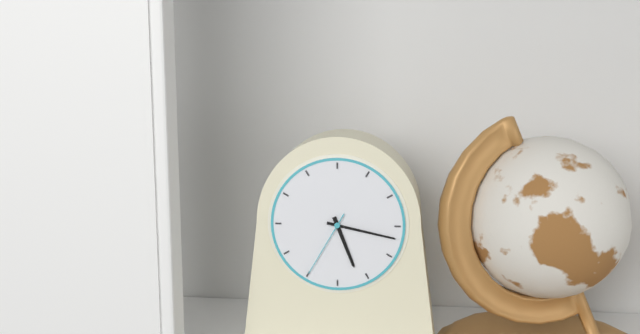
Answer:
5h17m35s
